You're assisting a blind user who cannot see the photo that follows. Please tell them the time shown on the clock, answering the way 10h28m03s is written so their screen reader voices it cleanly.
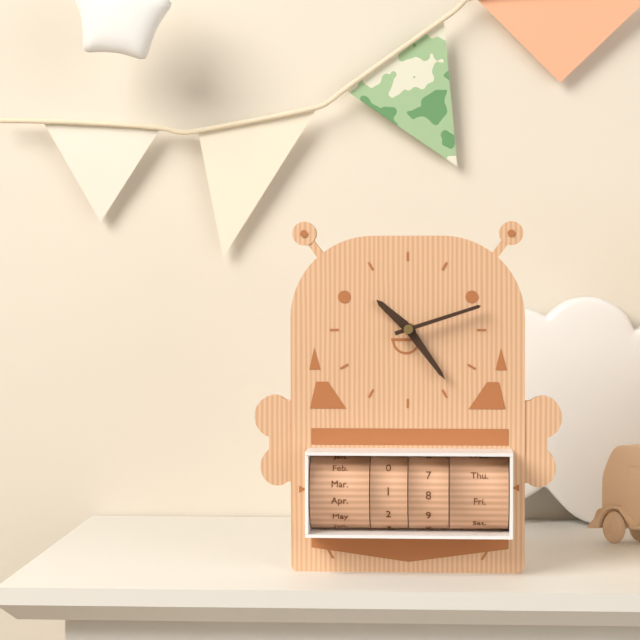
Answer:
10h24m12s
